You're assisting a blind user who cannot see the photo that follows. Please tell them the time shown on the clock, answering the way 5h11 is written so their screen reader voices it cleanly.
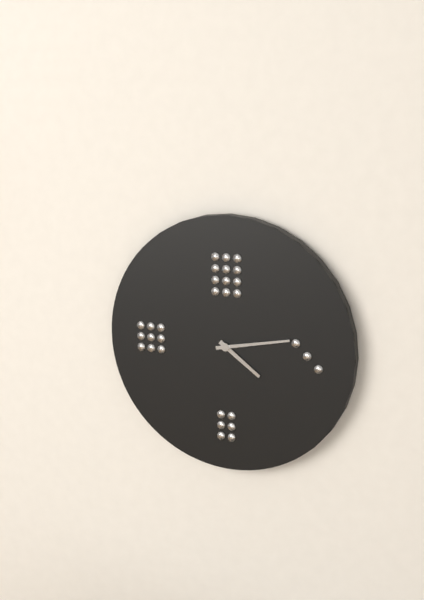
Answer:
4h13
